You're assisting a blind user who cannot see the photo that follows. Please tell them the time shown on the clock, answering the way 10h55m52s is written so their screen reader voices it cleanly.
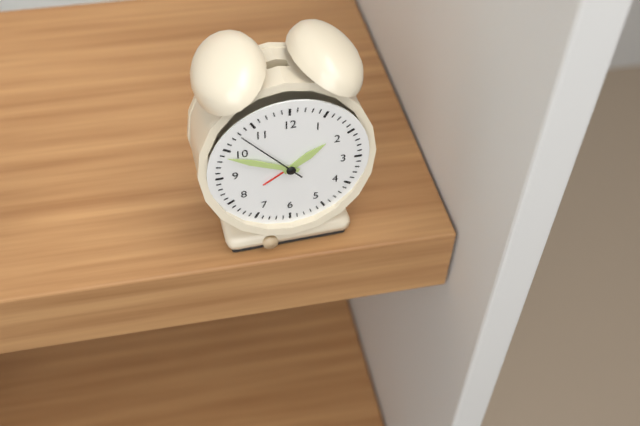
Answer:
1h49m53s
